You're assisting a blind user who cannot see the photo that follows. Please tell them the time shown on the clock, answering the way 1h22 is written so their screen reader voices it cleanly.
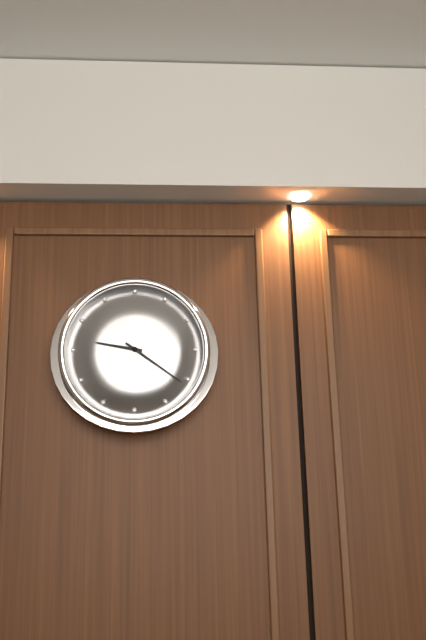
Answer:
9h21
